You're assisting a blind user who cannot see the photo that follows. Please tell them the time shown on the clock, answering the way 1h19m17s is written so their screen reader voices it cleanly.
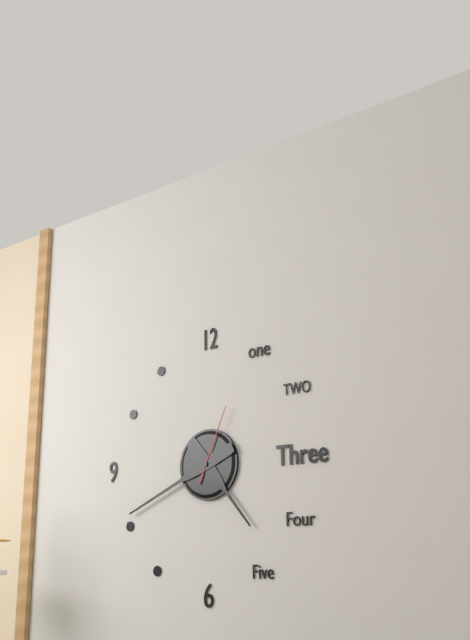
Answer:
4h41m04s
